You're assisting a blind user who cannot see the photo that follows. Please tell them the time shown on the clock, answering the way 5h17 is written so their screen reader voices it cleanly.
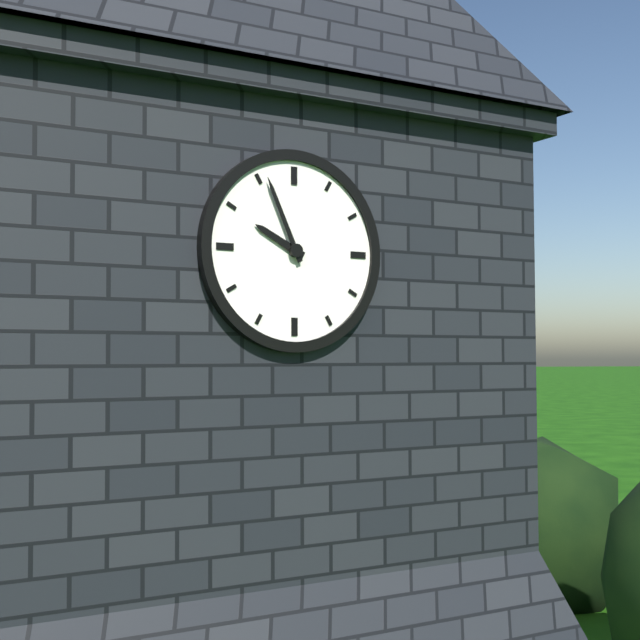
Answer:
9h56
